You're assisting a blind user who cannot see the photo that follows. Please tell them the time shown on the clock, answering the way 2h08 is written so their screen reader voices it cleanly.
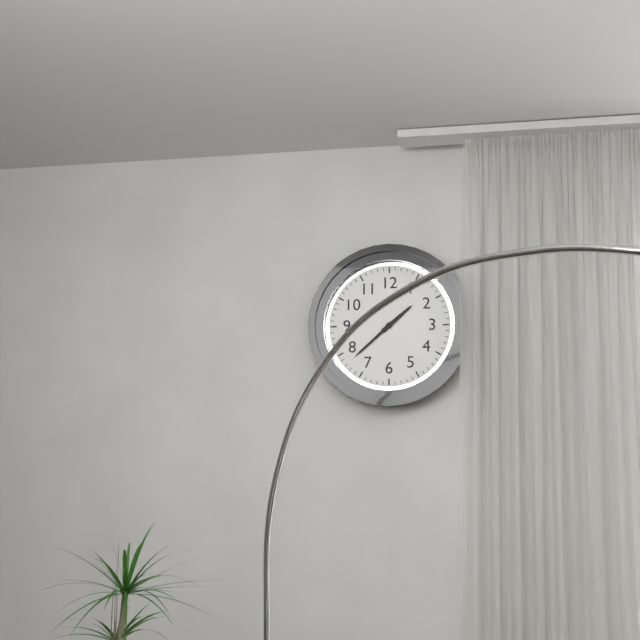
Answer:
1h38
